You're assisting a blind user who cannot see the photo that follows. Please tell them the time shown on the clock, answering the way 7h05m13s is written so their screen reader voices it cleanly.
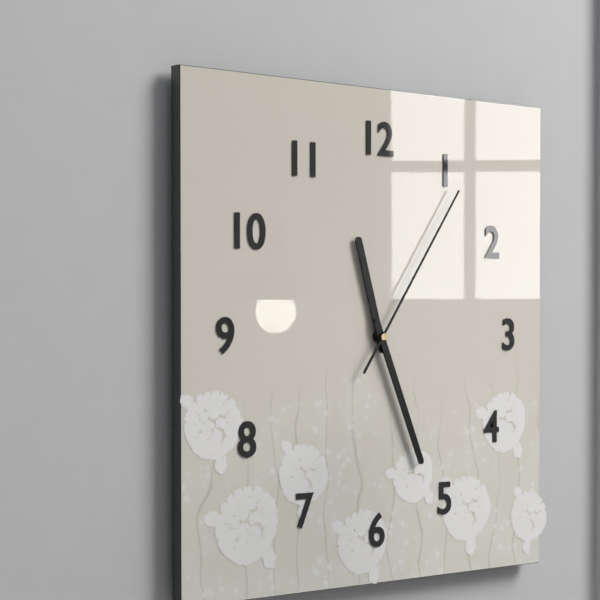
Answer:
11h26m06s
